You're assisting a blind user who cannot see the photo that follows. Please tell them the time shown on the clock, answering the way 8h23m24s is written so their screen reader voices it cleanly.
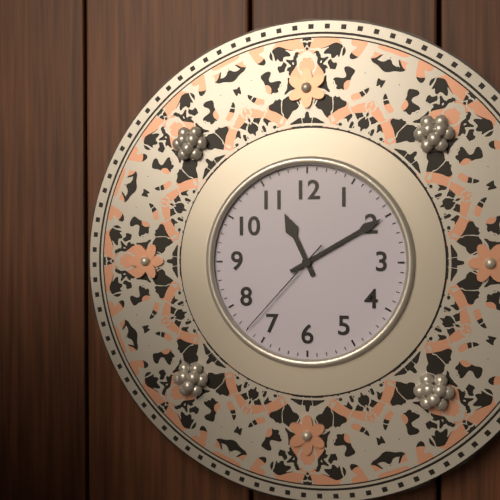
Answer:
11h10m37s
